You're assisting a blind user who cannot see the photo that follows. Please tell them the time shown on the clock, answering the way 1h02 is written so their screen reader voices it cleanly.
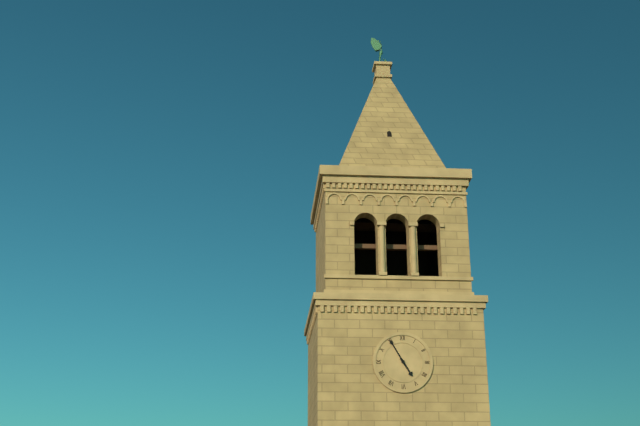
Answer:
4h55
